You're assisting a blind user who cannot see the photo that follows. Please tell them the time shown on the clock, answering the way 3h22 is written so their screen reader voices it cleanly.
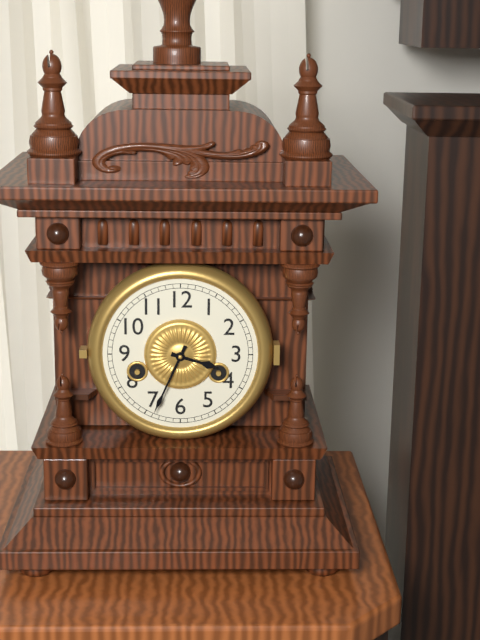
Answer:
3h34
